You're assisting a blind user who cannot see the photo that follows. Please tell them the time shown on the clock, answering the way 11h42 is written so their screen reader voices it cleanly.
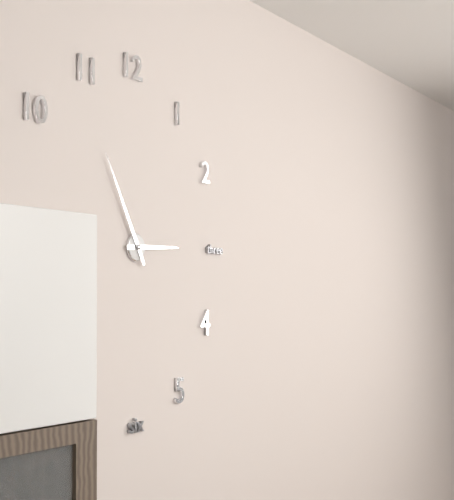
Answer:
2h55
